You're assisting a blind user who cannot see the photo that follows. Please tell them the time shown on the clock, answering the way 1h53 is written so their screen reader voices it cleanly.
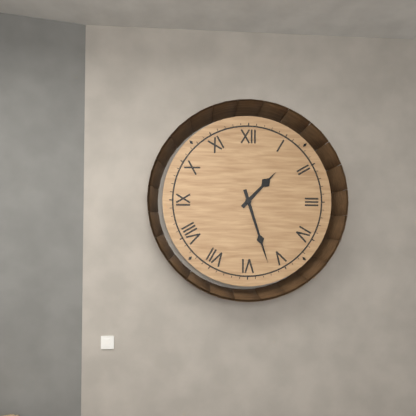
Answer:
1h27
